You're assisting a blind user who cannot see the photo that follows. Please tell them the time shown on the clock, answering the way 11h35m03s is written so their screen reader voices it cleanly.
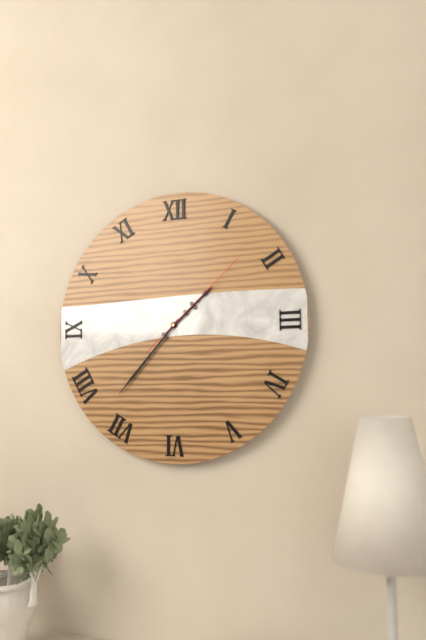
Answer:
1h37m08s
